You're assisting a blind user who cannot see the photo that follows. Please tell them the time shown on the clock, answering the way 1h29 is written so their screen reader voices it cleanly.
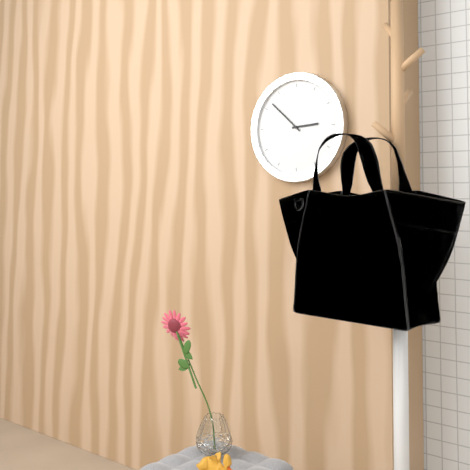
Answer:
2h52
